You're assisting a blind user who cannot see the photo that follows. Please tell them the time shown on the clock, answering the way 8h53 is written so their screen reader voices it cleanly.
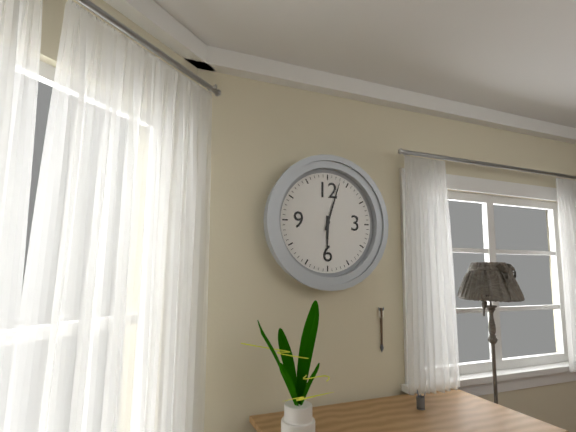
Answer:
6h03
